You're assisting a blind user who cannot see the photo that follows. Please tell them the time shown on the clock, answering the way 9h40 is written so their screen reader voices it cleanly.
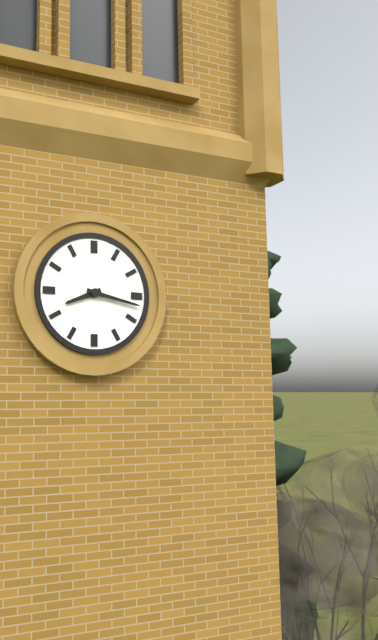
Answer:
8h17
